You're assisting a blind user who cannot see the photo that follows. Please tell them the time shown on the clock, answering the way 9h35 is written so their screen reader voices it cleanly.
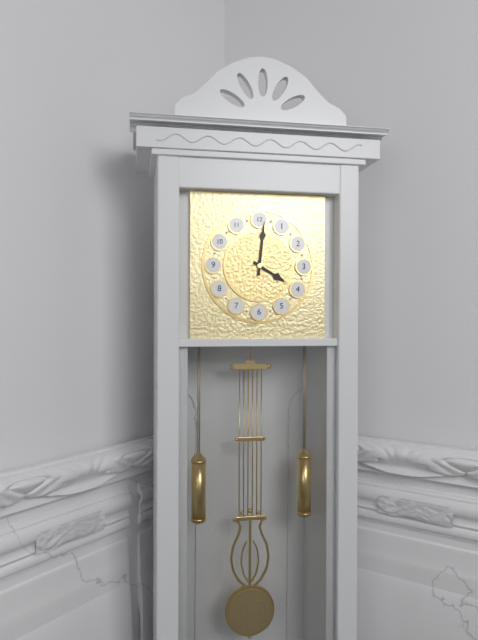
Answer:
4h01
